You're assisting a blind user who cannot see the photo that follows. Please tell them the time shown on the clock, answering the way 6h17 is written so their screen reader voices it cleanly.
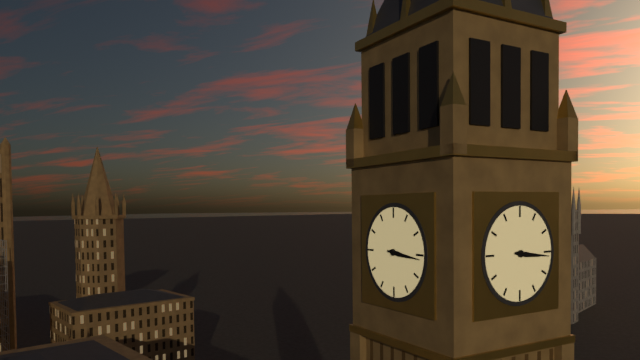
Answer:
3h16
